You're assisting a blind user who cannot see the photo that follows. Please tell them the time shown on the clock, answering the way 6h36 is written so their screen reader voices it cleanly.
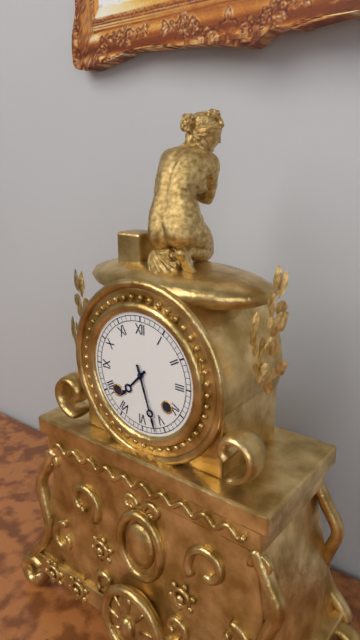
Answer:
7h27
